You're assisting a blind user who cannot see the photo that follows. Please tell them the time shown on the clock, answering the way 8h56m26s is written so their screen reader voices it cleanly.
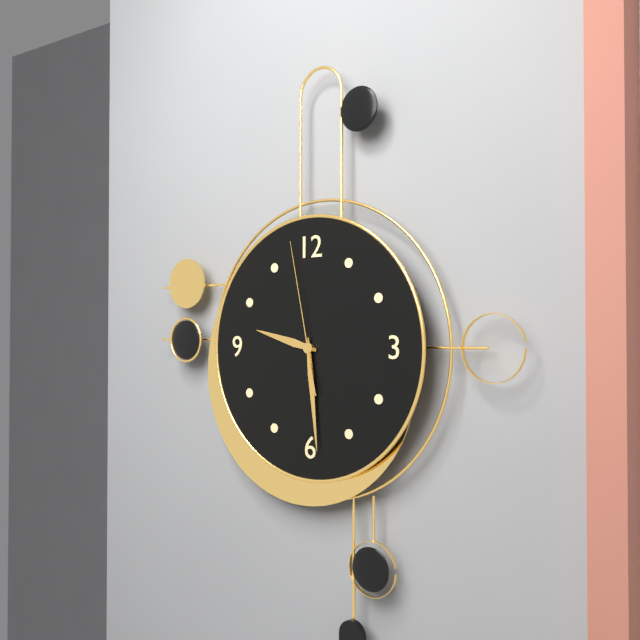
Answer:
9h29m58s
